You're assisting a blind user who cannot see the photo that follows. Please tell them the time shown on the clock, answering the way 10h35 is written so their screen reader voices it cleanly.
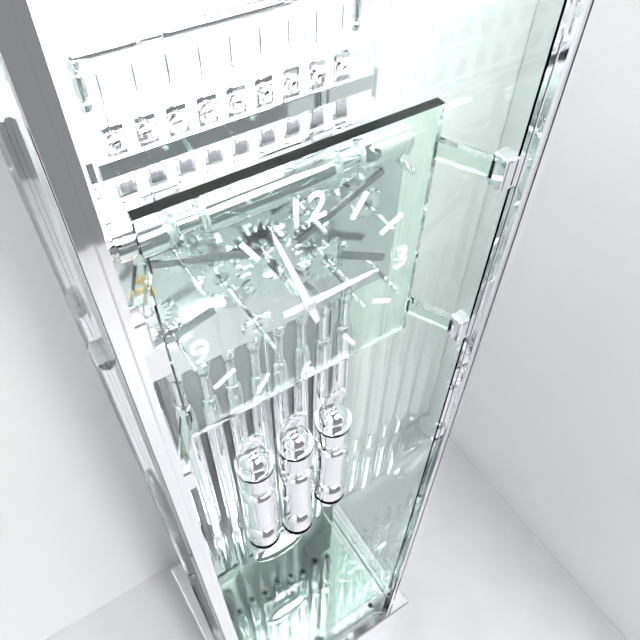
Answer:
2h57
